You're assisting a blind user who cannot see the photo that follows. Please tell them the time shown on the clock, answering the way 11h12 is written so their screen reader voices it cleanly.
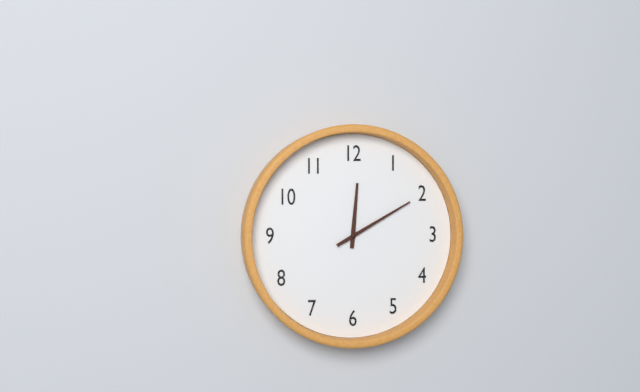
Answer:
12h10
